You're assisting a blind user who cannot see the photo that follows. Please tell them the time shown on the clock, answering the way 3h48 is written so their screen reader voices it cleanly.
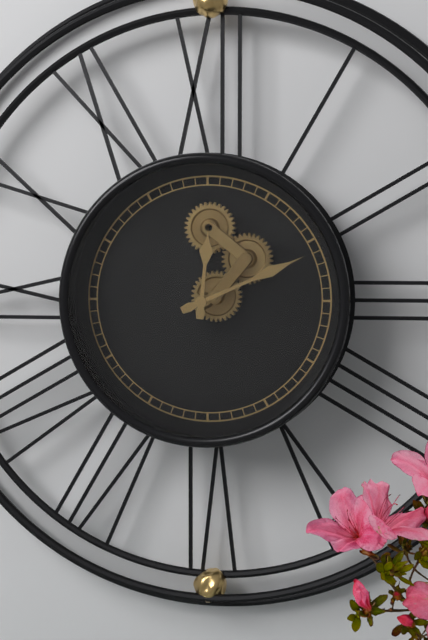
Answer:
12h11
